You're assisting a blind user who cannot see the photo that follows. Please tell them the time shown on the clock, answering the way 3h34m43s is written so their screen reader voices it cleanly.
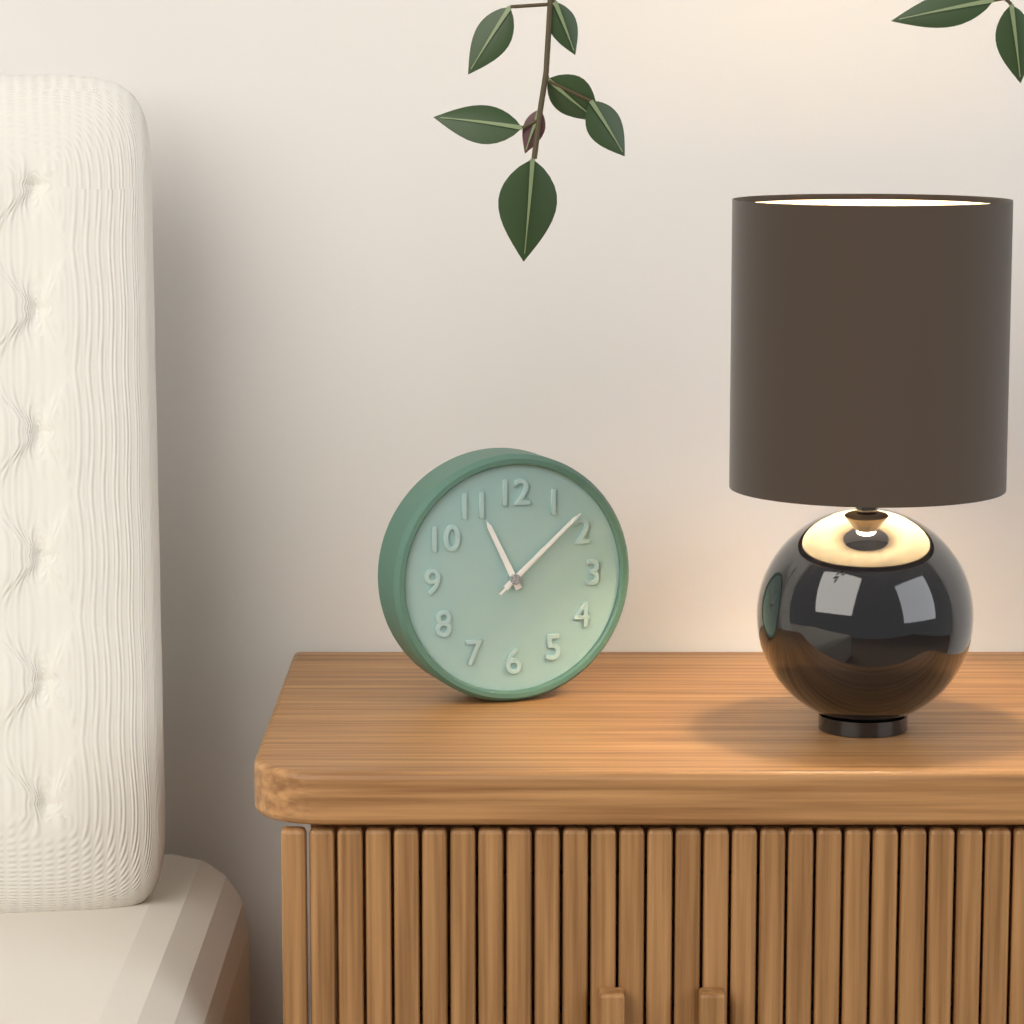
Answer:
11h08m08s
